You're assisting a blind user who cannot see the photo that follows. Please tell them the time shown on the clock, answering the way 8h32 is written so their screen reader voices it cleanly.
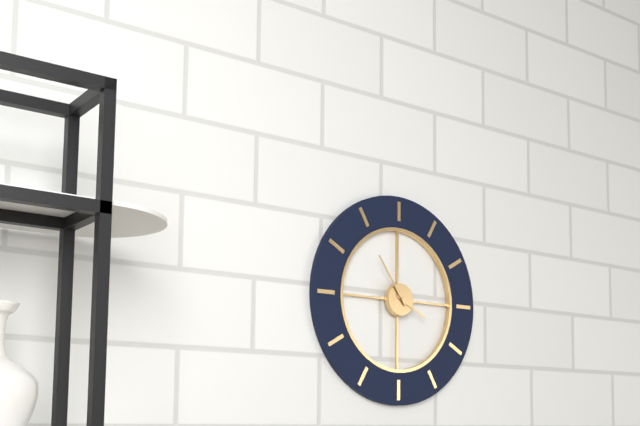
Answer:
3h54
